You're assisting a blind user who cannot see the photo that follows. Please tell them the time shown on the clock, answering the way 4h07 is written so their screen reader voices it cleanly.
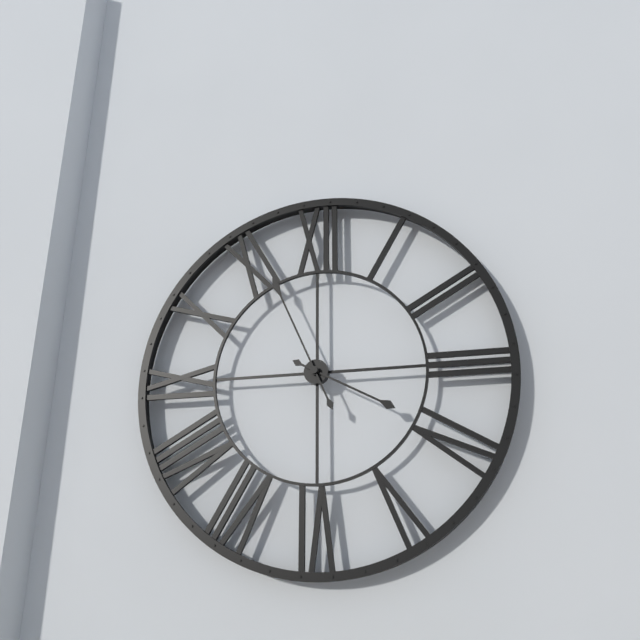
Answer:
3h56
